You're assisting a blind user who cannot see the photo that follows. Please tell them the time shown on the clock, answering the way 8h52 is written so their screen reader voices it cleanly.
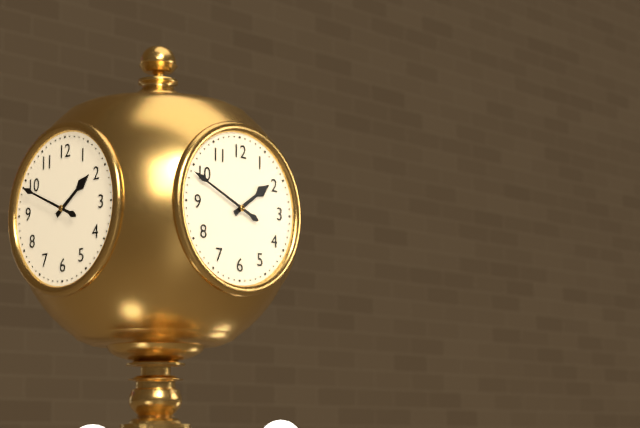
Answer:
1h49
